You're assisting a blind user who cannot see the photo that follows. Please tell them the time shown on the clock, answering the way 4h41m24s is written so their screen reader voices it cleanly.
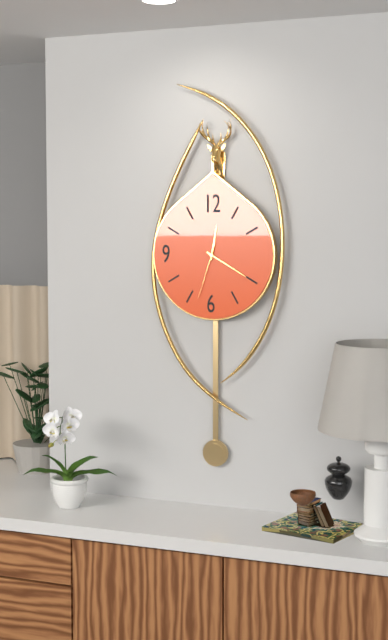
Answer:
12h20m33s
